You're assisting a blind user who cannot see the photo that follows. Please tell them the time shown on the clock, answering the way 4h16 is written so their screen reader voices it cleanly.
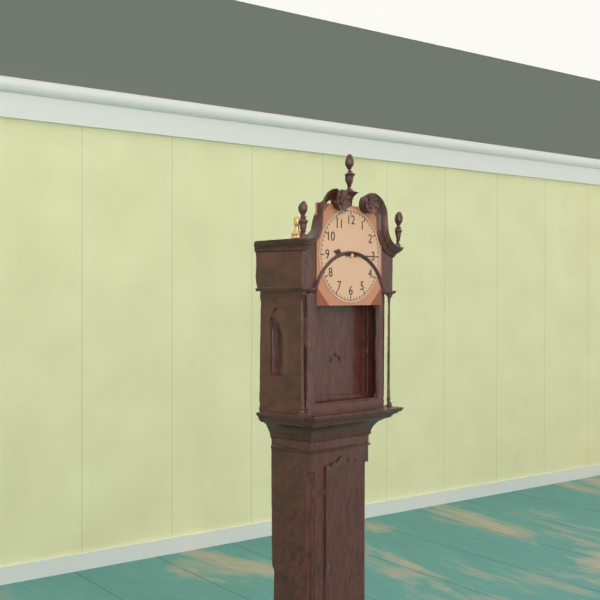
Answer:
9h15
